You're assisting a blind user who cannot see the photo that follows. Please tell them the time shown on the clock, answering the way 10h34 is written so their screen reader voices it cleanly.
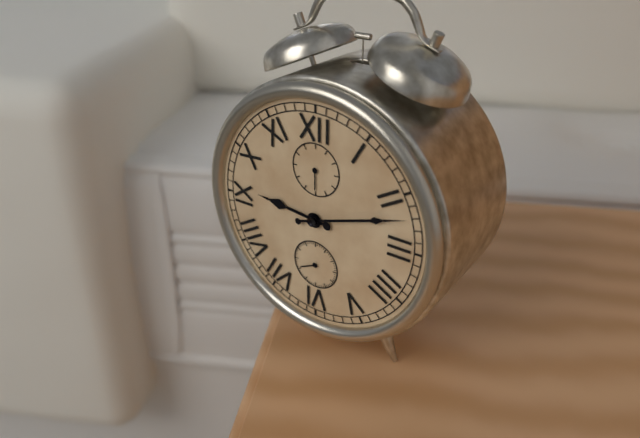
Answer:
9h12
